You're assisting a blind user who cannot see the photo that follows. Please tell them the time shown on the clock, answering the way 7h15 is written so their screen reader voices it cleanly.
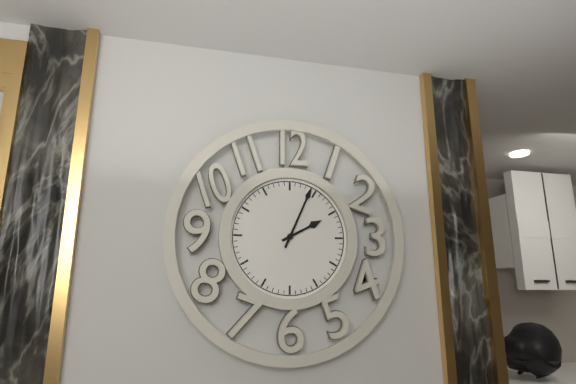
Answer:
2h04
